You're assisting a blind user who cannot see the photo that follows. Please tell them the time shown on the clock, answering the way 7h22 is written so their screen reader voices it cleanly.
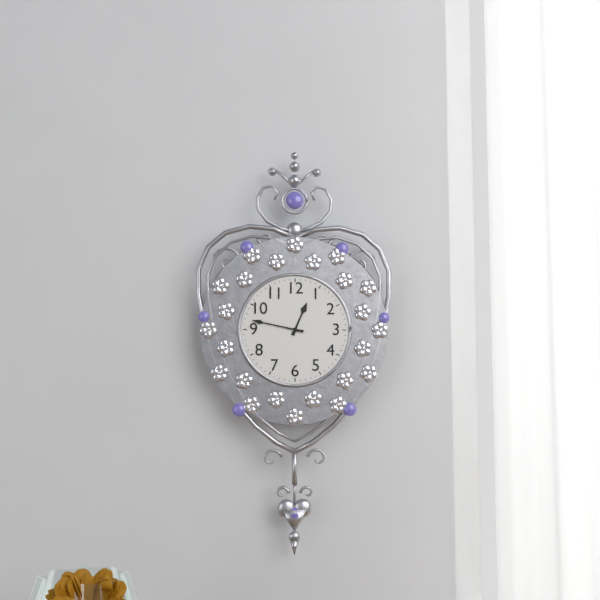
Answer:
12h47
